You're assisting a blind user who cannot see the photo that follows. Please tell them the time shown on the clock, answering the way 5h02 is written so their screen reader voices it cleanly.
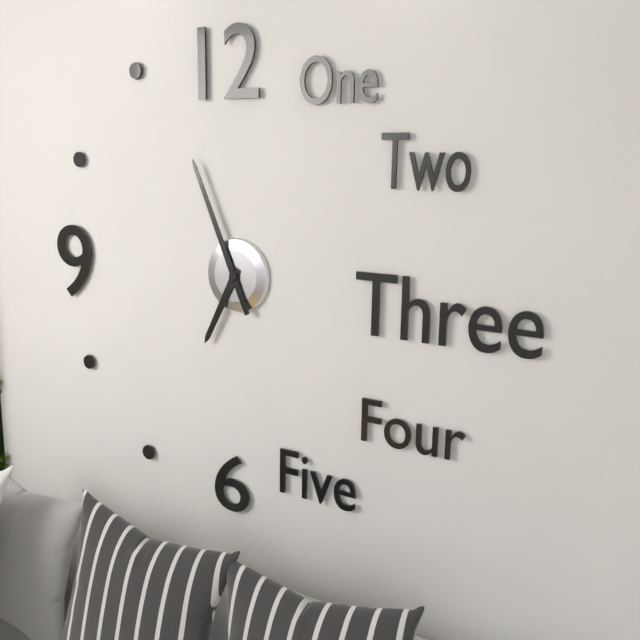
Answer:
6h56
